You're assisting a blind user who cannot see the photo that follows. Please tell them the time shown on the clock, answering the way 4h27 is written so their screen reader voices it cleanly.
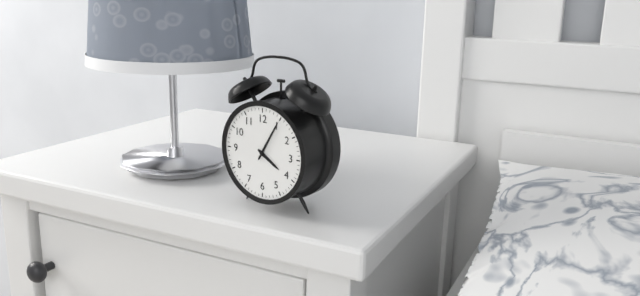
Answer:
4h05
